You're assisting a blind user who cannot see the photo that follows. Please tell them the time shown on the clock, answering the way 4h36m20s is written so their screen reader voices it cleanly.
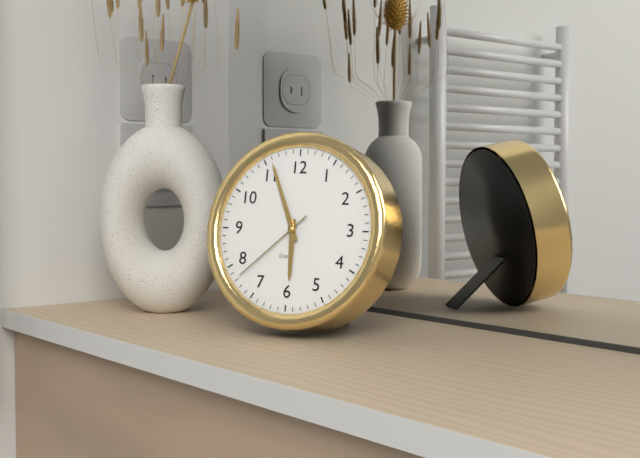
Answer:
5h56m38s
